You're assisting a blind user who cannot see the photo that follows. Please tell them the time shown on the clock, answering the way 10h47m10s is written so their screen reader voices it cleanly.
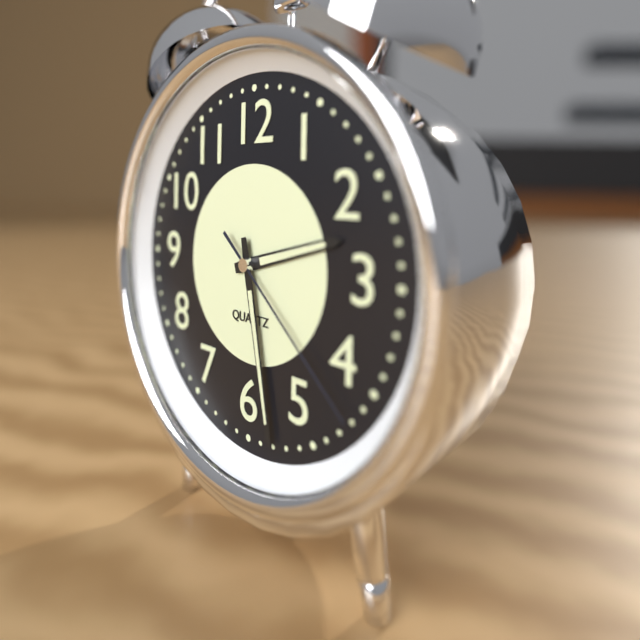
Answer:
2h28m22s
